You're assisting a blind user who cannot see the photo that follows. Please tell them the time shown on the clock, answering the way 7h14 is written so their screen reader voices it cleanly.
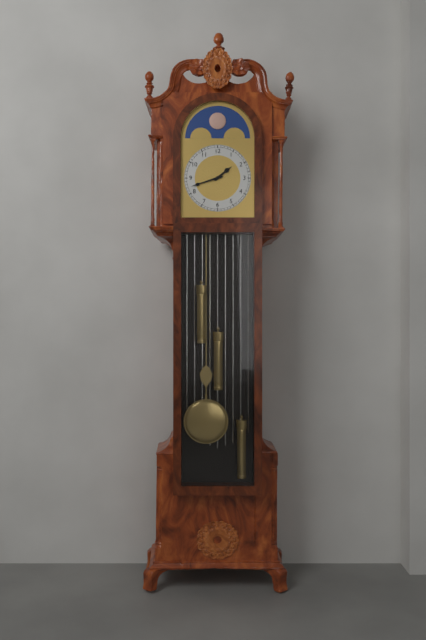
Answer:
1h42
